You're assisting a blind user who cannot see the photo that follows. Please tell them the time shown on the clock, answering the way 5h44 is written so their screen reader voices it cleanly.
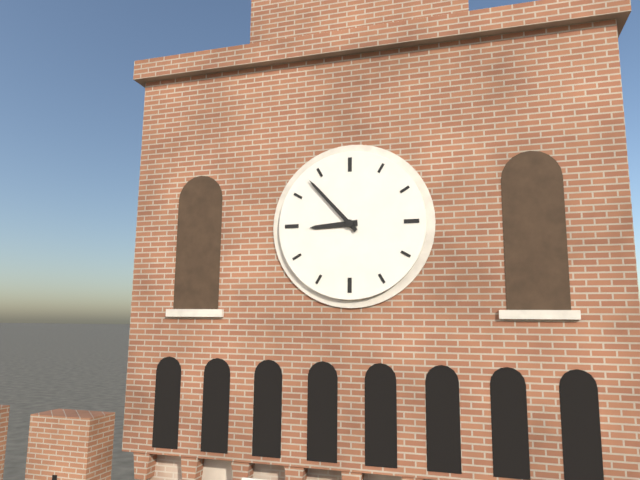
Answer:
8h53
